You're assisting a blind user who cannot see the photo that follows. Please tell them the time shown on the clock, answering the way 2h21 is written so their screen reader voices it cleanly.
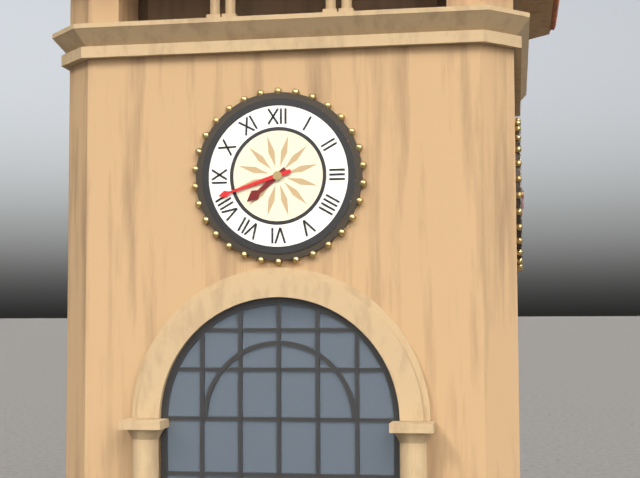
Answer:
7h42
